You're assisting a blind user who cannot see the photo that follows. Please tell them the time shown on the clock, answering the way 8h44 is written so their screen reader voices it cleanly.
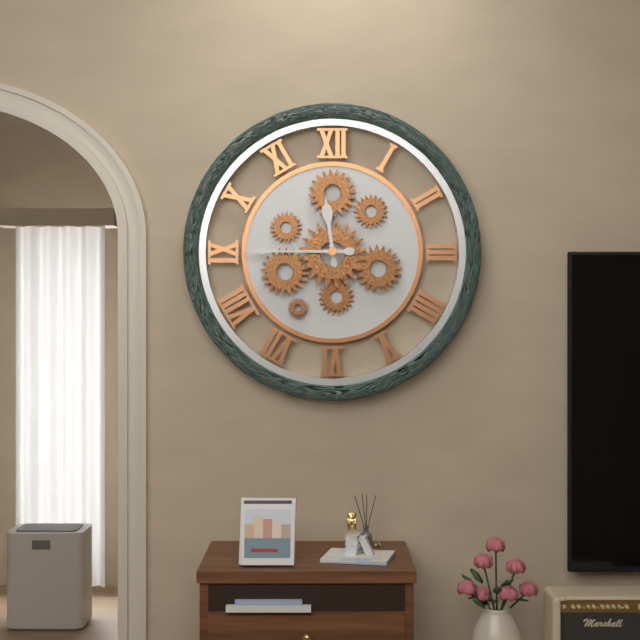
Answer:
11h45
